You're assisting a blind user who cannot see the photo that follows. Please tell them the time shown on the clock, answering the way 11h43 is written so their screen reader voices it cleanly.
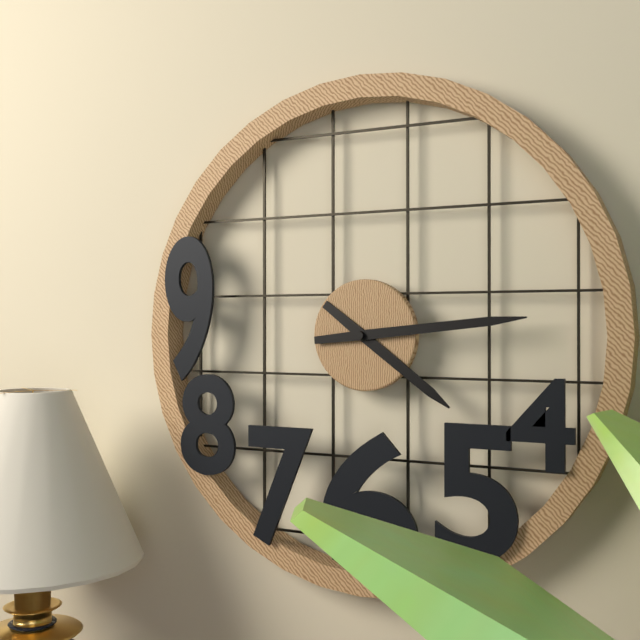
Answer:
4h14
